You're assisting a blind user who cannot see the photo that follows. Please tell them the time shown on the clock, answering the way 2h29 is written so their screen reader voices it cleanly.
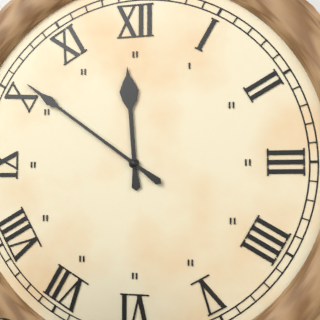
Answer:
11h51
